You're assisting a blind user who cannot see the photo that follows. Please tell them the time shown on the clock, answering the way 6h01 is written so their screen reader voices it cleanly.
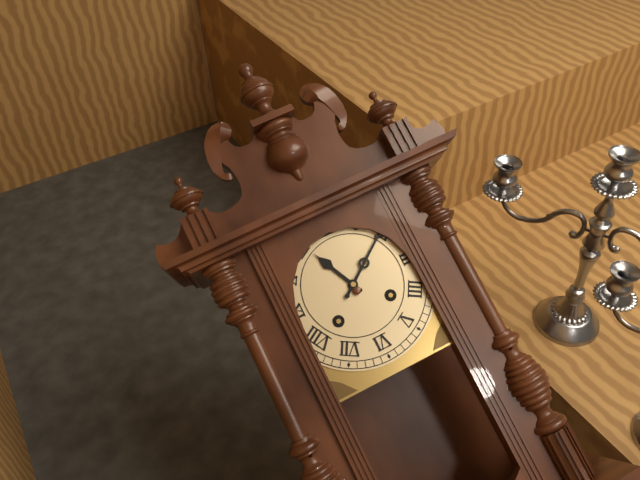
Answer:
11h09
